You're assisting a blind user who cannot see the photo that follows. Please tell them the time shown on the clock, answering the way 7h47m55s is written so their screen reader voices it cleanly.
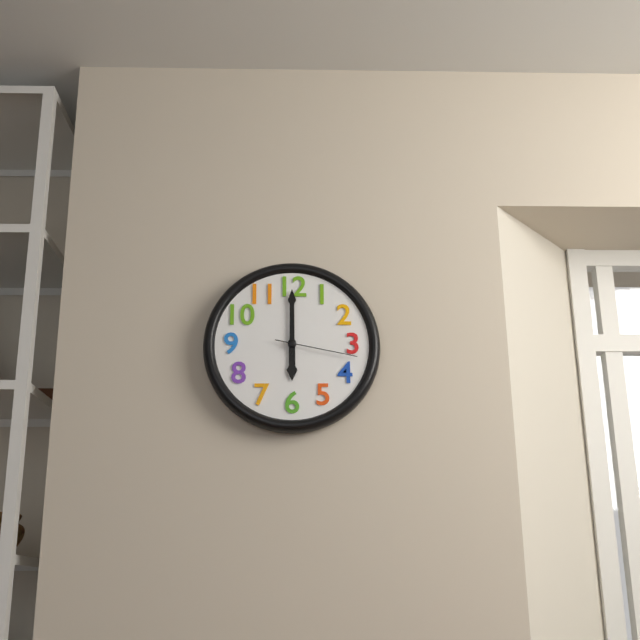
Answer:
6h00m17s
